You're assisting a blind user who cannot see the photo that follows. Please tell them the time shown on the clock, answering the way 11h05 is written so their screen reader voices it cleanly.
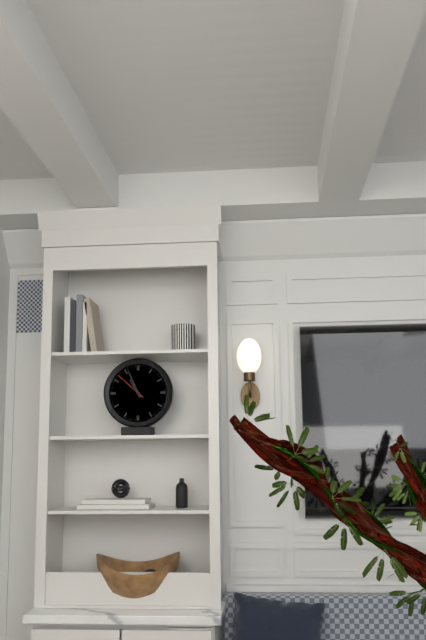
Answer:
10h56
